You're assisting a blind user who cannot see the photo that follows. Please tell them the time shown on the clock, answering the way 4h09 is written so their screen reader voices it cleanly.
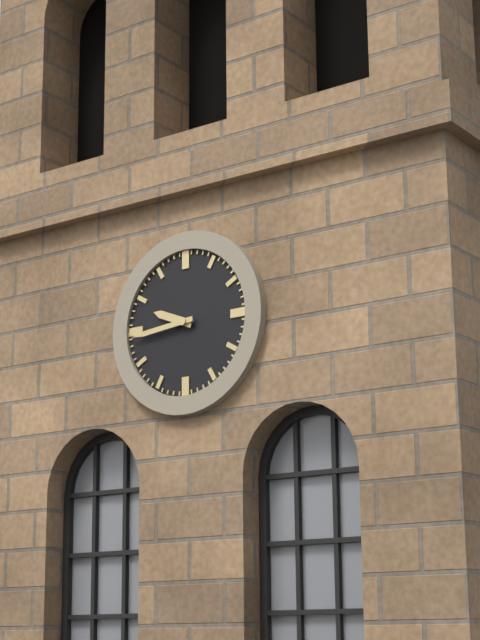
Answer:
9h44
